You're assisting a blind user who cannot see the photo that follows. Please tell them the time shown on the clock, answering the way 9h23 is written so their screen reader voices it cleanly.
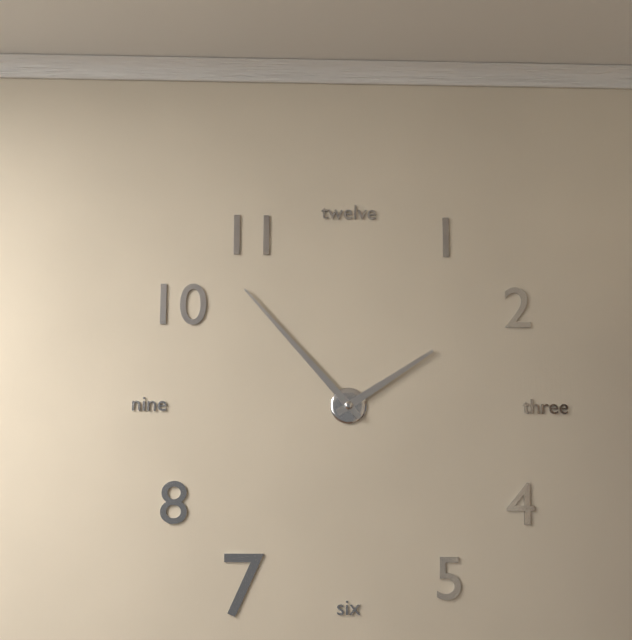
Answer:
1h53
